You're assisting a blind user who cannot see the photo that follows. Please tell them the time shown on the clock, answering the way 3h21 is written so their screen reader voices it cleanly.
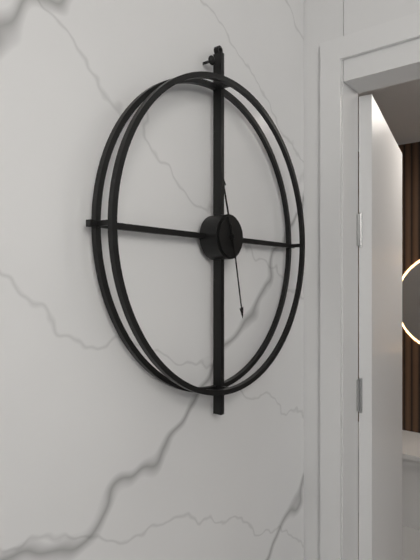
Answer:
11h28
